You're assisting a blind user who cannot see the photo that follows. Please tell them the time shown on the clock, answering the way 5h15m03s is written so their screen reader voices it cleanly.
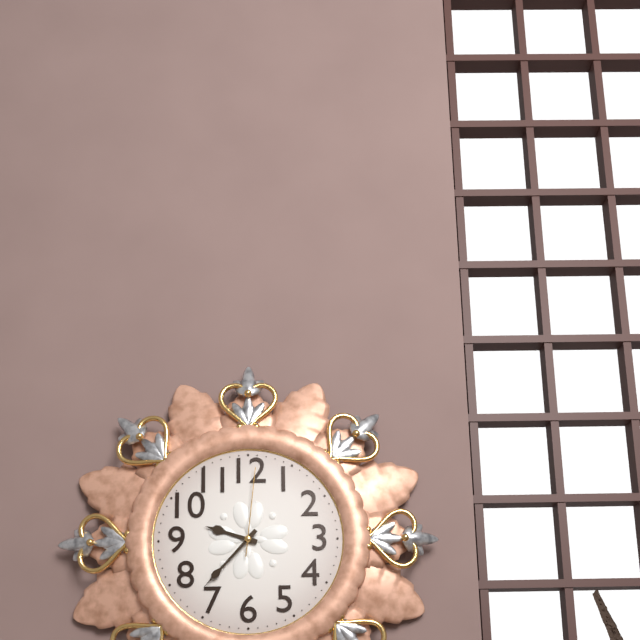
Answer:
9h37m01s
